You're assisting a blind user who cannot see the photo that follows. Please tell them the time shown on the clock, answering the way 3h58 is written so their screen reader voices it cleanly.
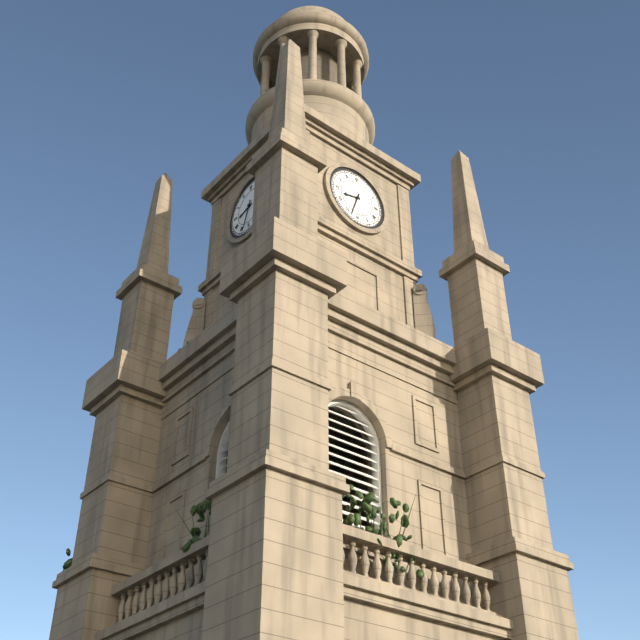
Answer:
8h33
